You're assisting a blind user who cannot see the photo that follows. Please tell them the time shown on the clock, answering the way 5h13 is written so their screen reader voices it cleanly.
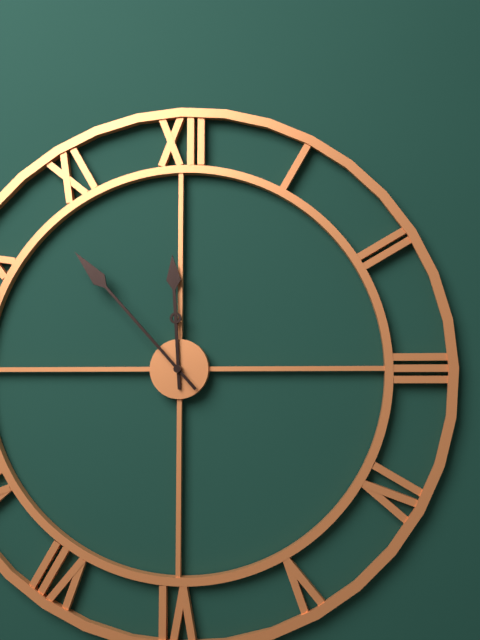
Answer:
11h53
